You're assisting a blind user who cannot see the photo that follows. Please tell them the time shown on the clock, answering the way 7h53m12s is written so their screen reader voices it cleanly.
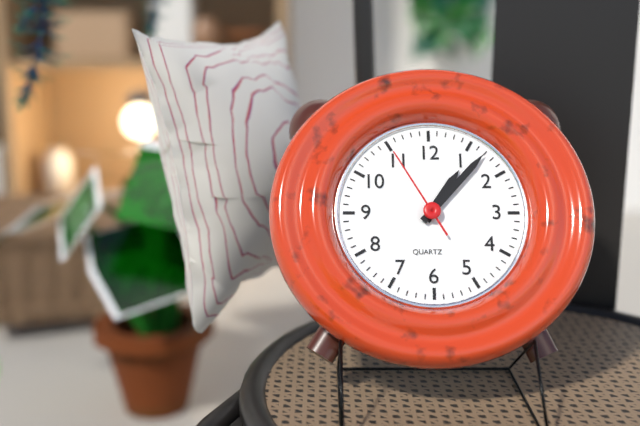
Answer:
1h07m55s
